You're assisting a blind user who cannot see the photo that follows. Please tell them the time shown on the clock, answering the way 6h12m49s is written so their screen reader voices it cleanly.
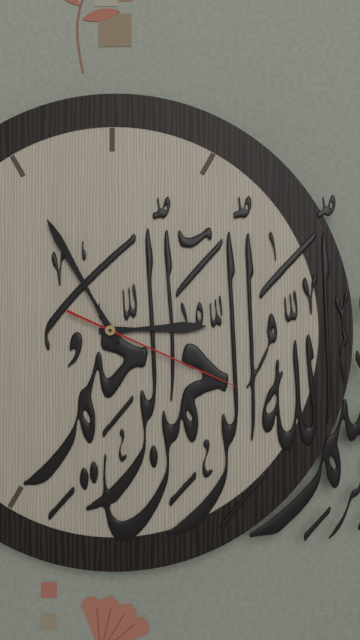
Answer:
2h55m19s
